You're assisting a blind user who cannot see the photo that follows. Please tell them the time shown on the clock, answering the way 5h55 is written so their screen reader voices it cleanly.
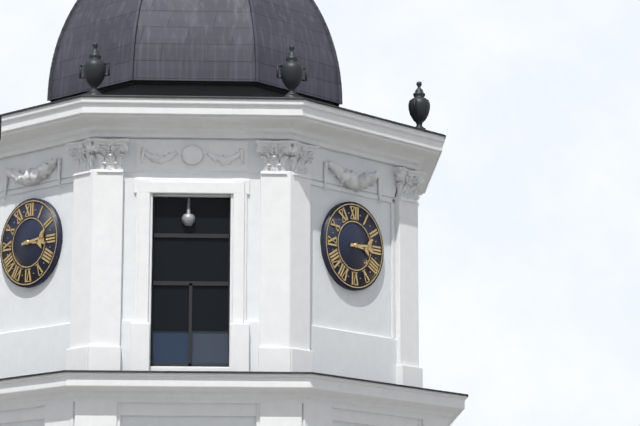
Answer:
3h14
